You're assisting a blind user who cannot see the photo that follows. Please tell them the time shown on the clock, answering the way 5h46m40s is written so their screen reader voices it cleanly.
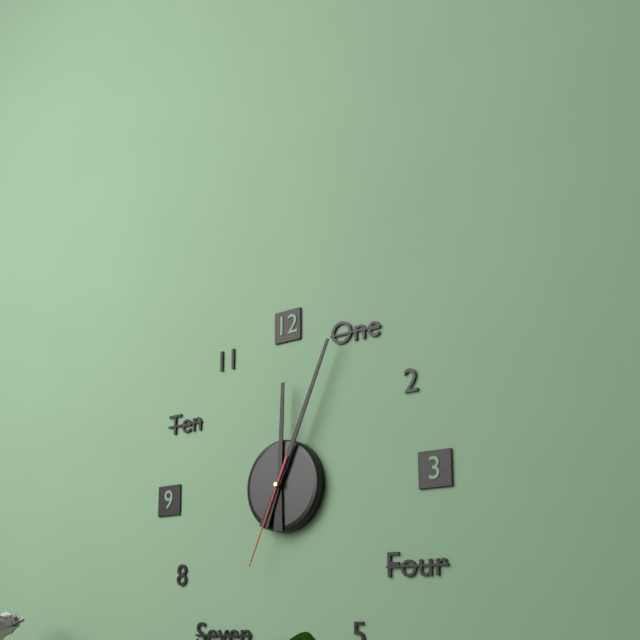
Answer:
12h04m34s
